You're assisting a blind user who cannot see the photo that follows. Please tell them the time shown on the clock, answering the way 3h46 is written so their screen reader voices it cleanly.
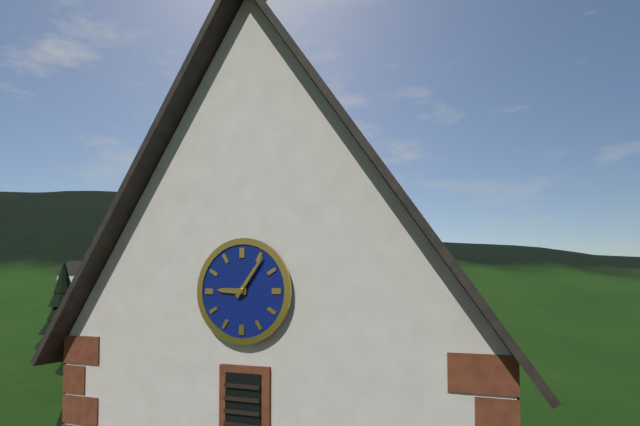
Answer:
9h06
